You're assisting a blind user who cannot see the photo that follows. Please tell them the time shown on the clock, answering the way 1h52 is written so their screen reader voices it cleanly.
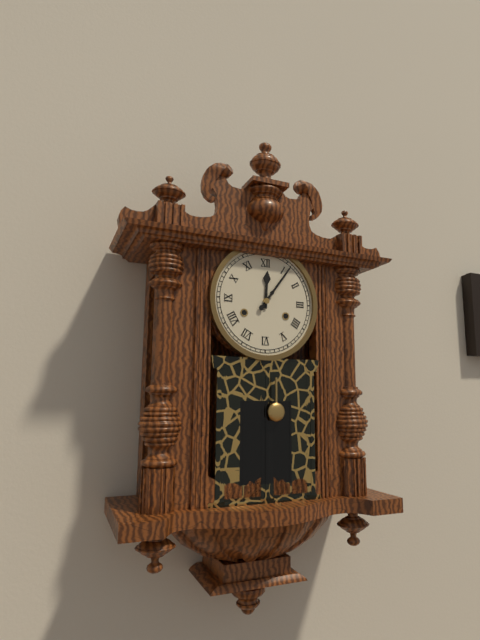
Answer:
12h06
